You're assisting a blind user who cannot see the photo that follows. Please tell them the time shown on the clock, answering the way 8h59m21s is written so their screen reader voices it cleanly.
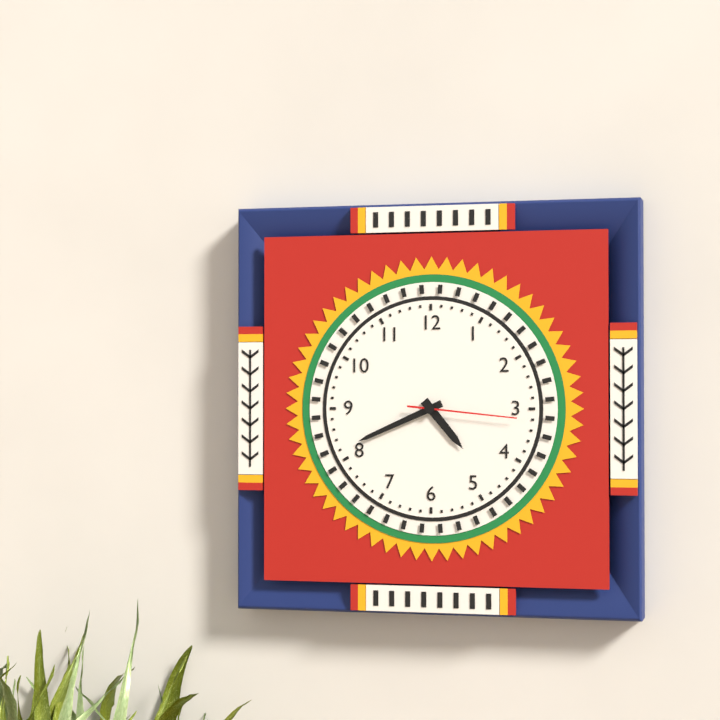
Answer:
4h41m16s
